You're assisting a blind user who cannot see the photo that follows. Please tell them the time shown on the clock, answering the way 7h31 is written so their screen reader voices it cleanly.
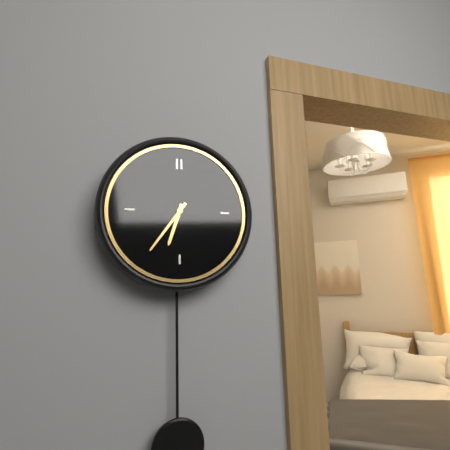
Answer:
6h36
